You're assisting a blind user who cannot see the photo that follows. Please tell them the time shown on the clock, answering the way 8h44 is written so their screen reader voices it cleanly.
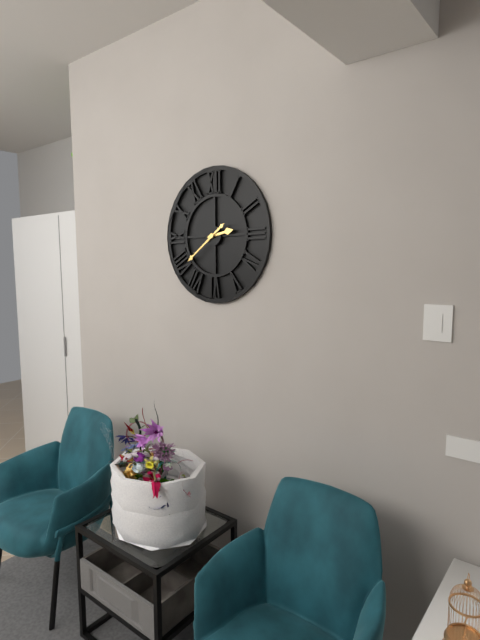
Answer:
2h39
